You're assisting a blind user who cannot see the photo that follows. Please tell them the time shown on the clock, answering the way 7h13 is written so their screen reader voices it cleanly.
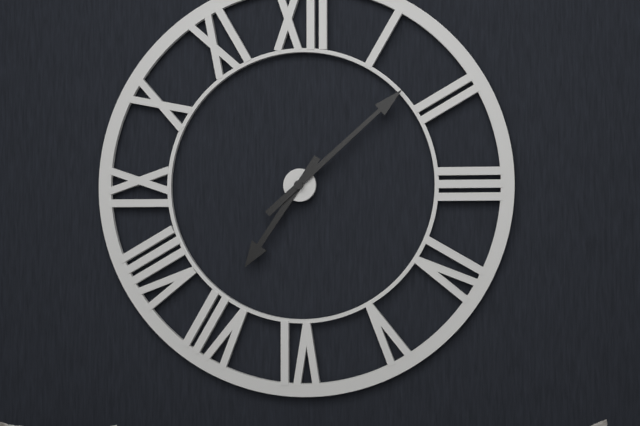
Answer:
7h08
